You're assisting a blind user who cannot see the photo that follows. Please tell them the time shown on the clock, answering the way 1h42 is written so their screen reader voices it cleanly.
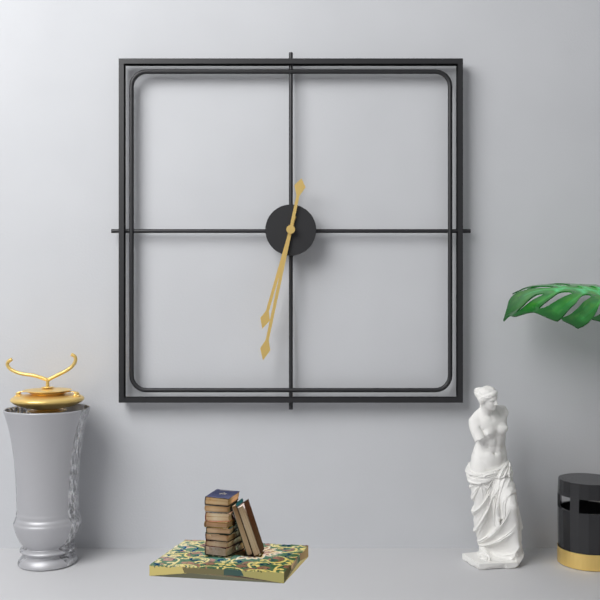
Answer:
6h32
